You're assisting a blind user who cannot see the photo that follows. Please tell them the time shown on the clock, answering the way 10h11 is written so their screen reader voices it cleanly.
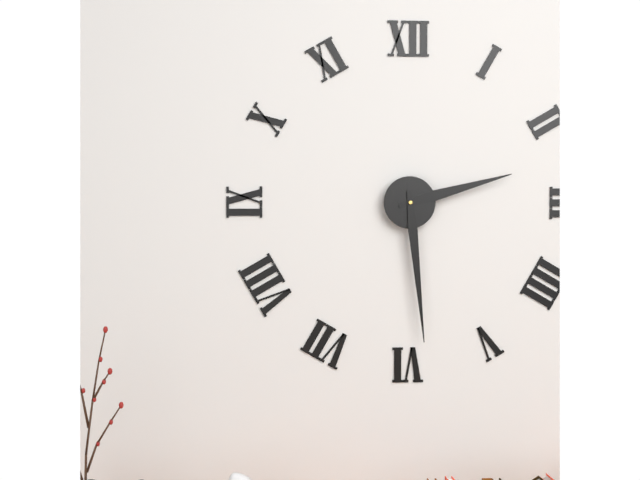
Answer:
2h29
